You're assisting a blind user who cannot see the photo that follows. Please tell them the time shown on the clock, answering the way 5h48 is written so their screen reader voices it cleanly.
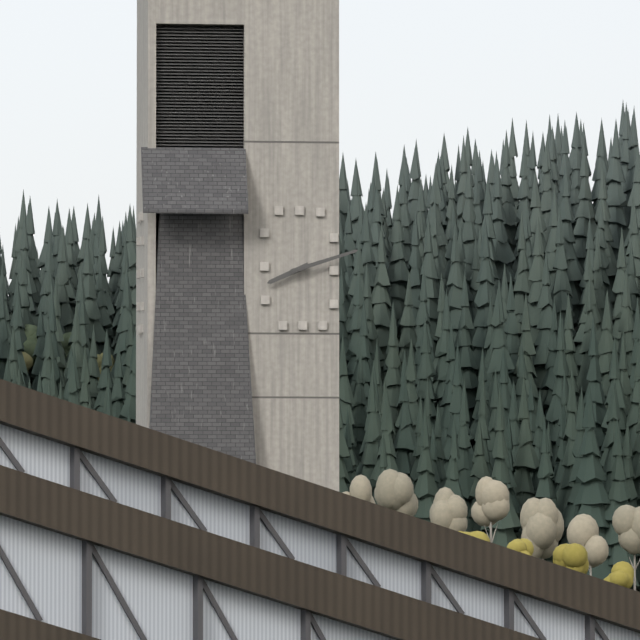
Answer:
8h12
